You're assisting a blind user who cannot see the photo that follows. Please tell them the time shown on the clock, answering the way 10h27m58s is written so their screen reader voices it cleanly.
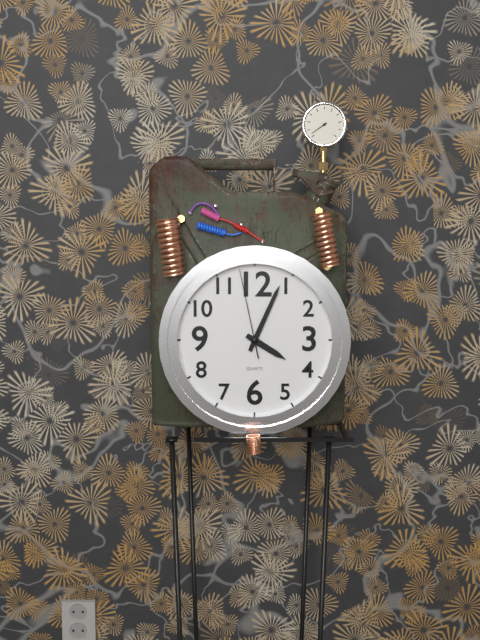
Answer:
4h04m58s
